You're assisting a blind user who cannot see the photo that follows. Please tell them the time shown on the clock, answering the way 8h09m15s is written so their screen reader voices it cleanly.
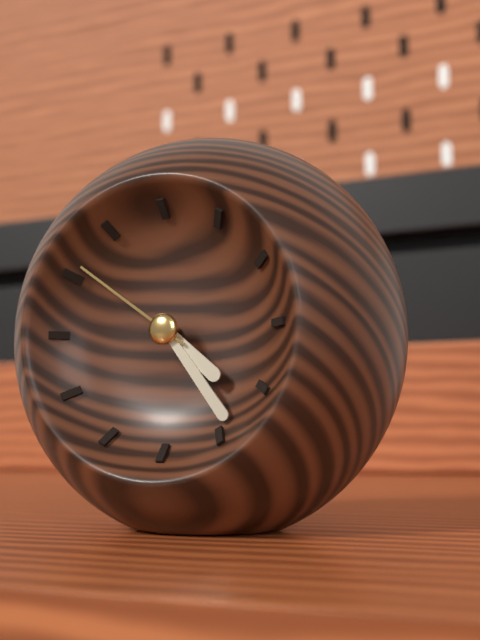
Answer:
4h24m51s
